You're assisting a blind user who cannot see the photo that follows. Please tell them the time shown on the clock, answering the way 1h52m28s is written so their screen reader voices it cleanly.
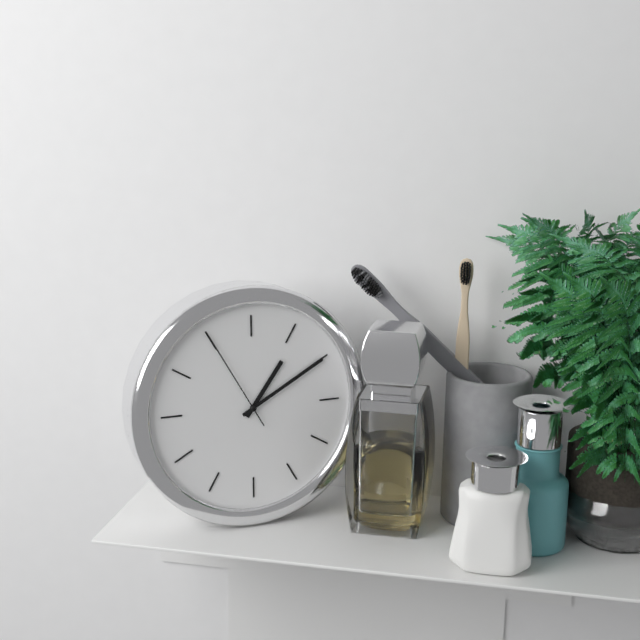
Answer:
1h10m55s
